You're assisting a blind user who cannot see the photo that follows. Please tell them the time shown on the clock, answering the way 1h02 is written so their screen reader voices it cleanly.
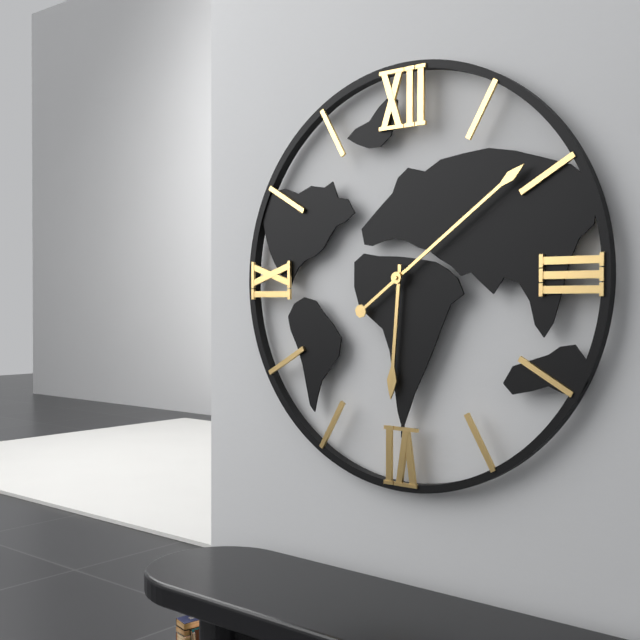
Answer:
6h09
